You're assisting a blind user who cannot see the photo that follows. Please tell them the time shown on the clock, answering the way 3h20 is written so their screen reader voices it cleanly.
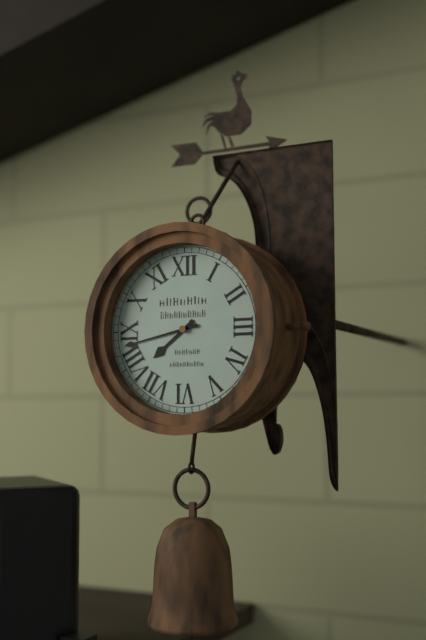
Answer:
7h43
